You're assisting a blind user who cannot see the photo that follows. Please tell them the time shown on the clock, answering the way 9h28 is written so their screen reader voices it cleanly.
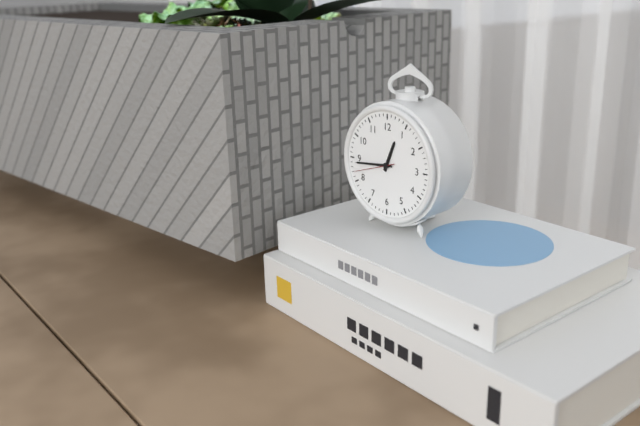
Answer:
12h44
